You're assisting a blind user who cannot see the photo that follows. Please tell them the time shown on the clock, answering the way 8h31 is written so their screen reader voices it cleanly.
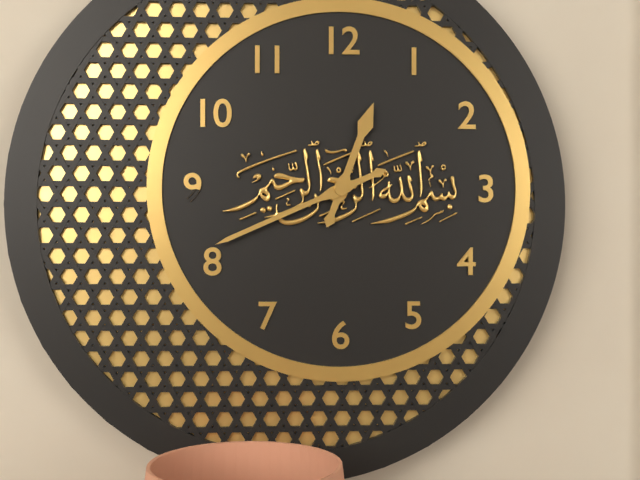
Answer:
12h41
